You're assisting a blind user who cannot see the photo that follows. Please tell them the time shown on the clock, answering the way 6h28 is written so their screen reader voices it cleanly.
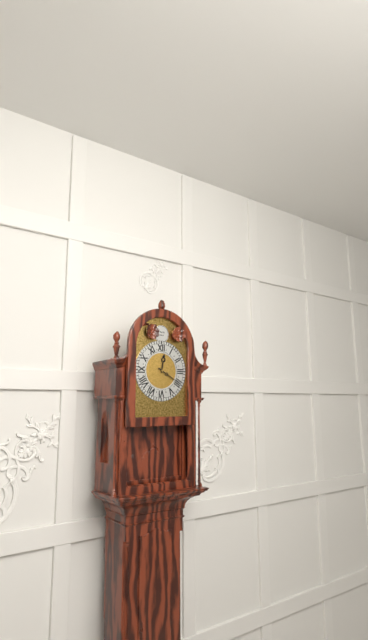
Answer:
12h20
